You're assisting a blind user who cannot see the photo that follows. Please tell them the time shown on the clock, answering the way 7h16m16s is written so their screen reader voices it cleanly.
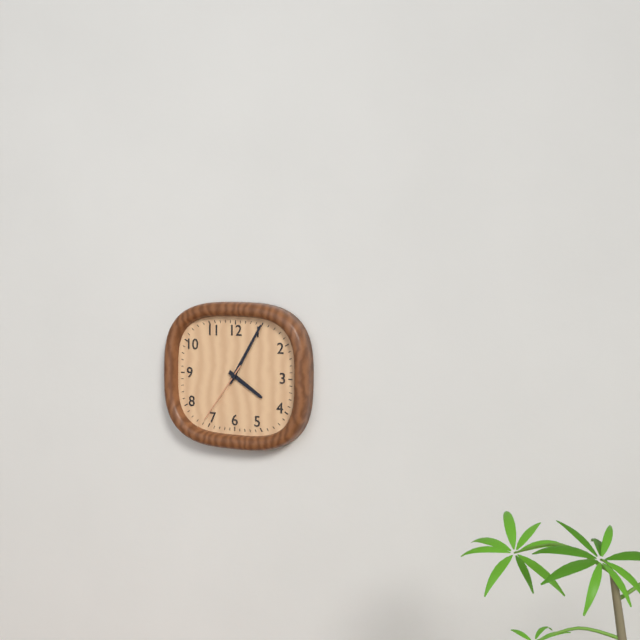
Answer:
4h05m36s
